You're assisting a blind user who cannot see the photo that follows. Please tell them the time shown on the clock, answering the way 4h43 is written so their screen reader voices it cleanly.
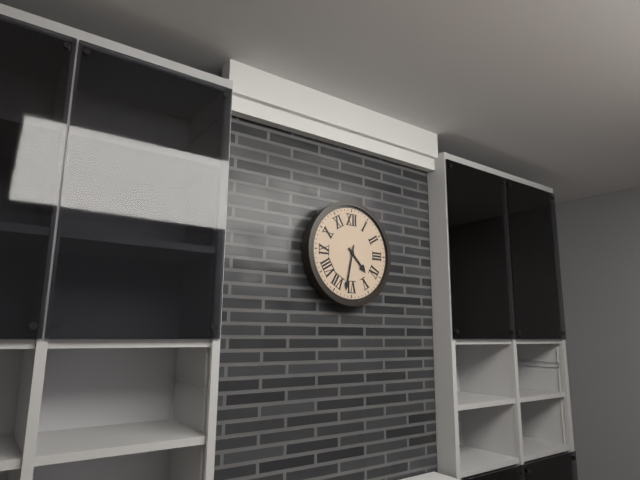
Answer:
4h32
